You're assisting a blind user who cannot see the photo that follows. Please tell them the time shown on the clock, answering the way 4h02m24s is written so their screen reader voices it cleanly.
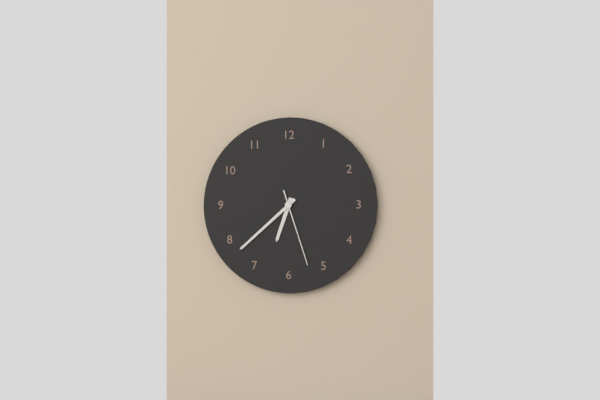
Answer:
6h38m27s
